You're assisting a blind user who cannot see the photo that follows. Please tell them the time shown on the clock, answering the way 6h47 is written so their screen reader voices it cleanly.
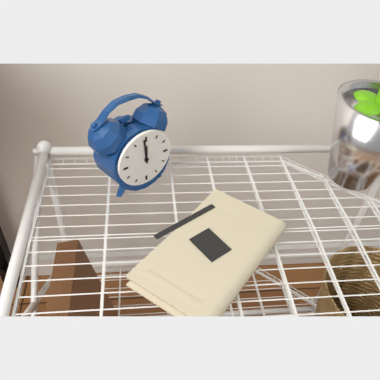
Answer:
11h59
